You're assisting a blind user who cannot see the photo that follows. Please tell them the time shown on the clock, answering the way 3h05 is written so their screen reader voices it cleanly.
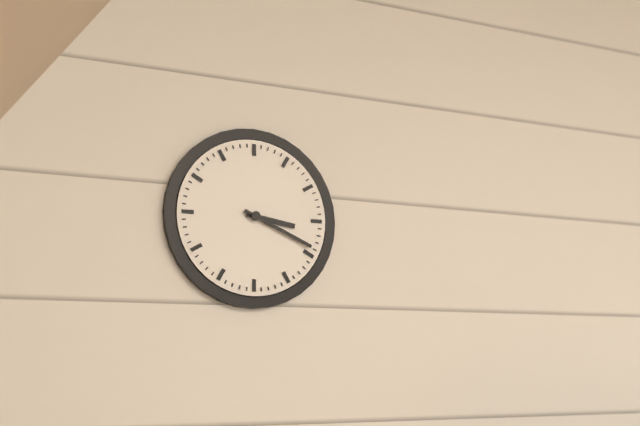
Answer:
3h19
